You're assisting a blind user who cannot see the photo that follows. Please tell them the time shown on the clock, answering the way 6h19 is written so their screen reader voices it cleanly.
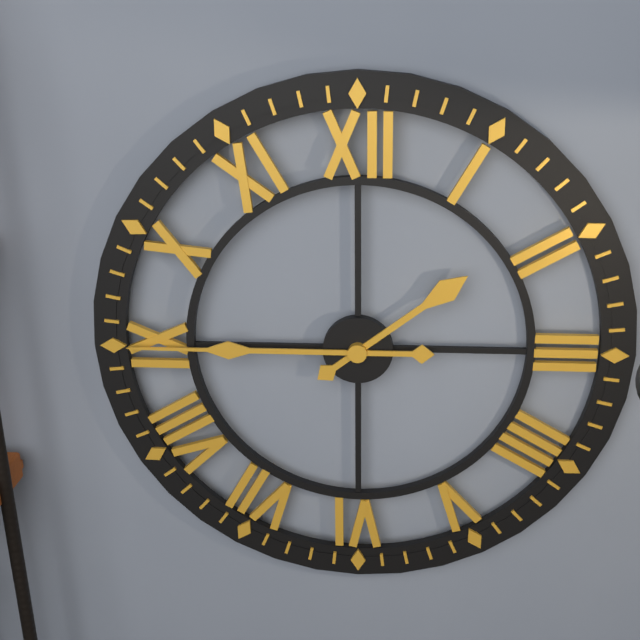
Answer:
1h45
